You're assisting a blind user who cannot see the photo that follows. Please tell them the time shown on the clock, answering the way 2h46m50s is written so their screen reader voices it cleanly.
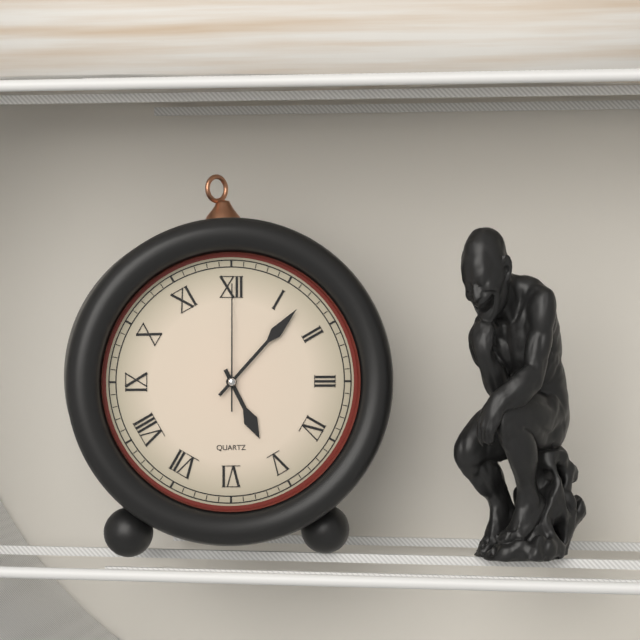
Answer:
5h07m00s
